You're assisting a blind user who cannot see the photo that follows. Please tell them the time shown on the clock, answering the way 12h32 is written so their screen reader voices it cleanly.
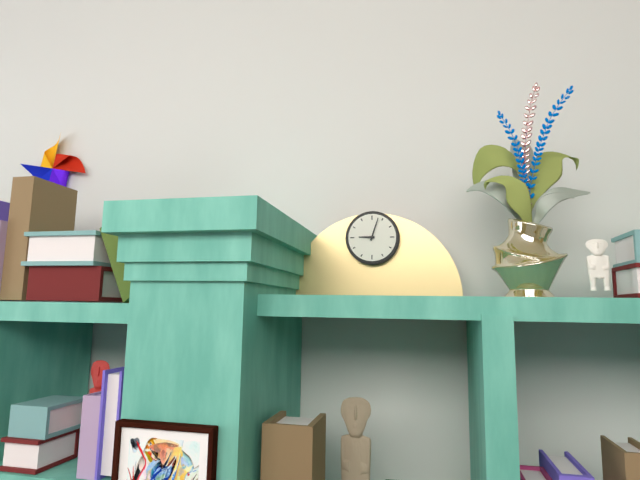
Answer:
9h03
